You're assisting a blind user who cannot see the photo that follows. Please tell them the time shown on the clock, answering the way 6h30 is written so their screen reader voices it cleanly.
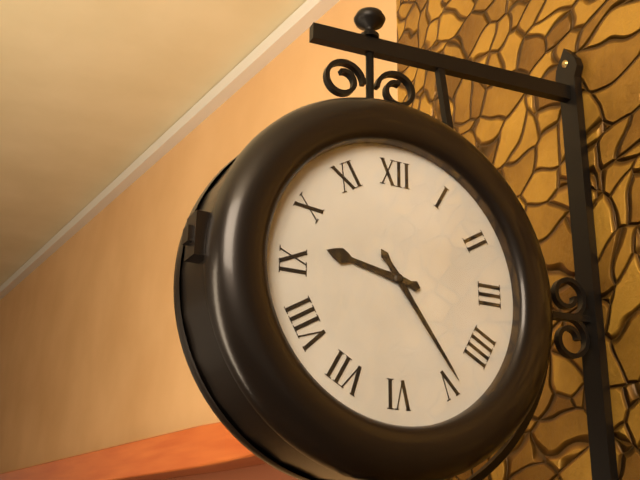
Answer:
9h24
